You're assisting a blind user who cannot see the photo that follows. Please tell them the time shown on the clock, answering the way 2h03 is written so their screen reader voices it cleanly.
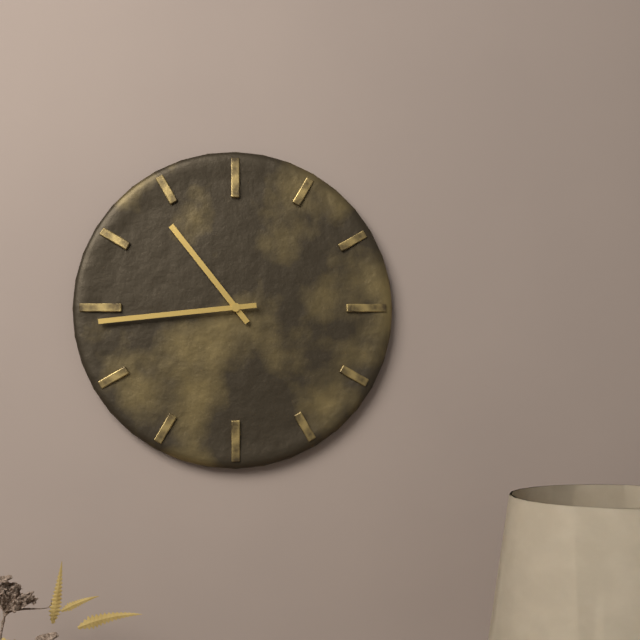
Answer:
10h44
